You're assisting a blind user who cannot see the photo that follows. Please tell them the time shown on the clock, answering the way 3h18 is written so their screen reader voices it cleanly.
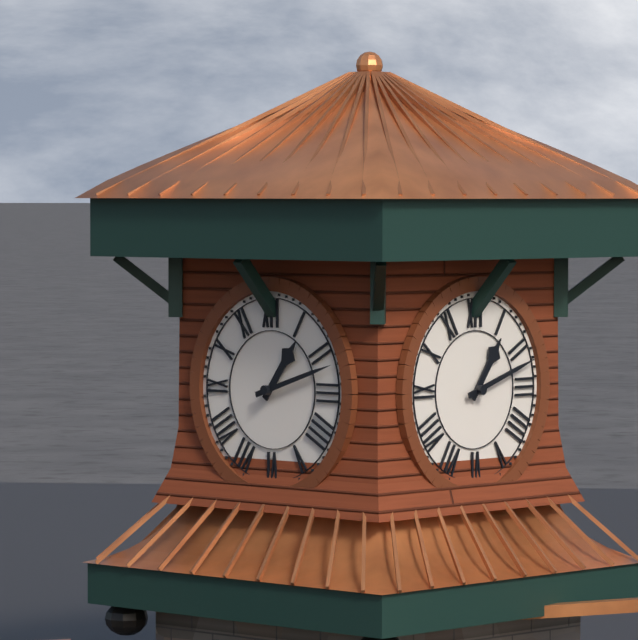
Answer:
1h12
